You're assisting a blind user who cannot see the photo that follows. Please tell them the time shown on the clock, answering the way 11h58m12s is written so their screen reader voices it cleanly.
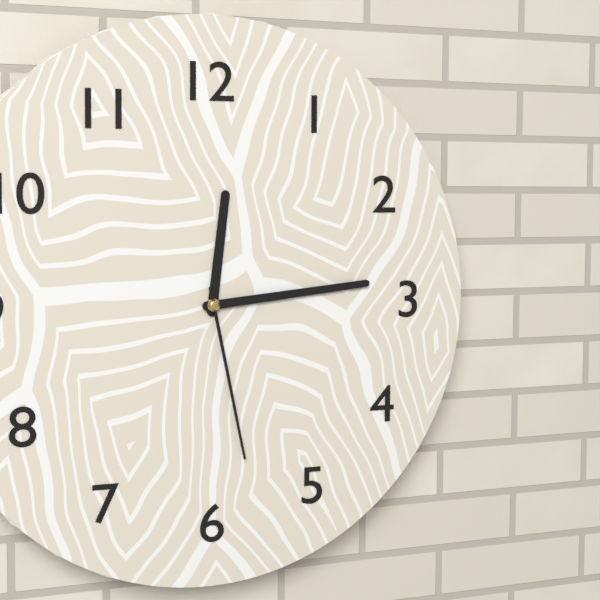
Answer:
12h14m28s
